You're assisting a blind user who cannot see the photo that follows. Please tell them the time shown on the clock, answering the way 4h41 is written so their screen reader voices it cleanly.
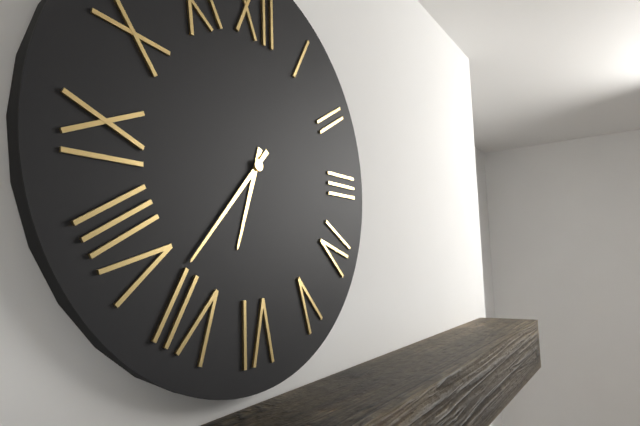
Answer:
6h37
